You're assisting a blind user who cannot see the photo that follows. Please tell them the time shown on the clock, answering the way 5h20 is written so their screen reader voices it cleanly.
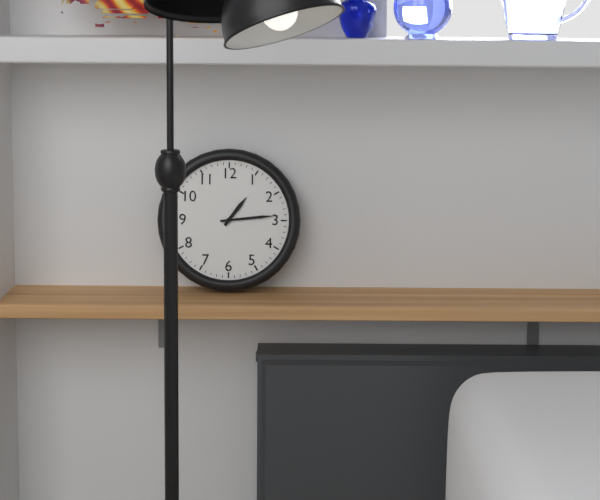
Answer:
1h14
